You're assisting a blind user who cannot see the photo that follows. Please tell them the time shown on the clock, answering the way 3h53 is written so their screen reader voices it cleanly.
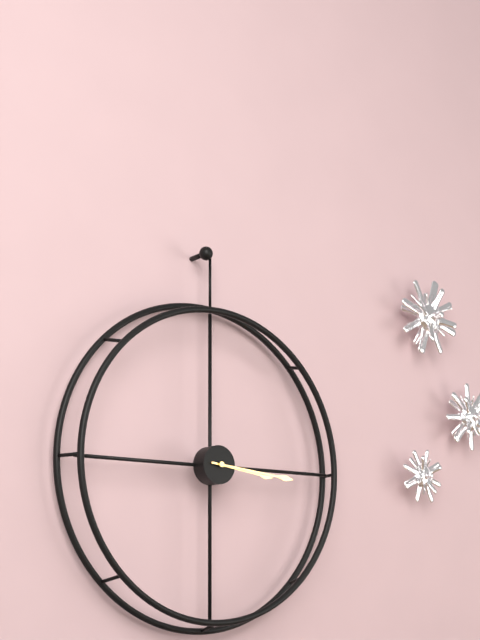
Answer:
3h16
